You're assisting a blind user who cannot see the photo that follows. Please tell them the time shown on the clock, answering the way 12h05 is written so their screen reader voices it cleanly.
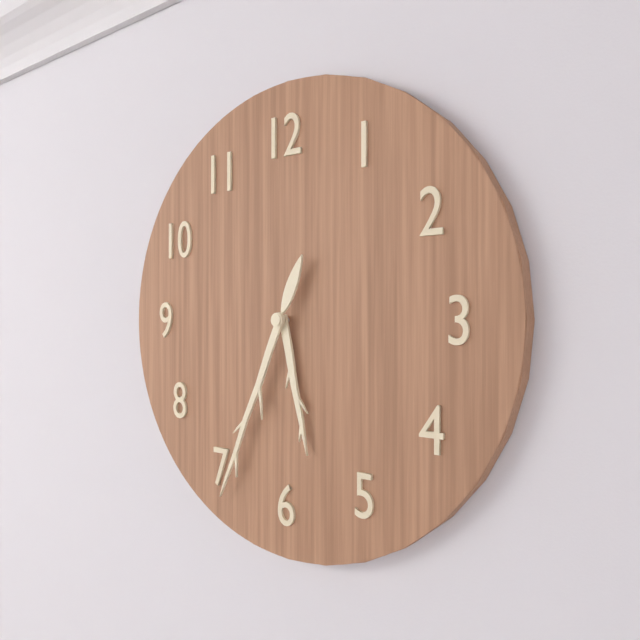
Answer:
5h34
